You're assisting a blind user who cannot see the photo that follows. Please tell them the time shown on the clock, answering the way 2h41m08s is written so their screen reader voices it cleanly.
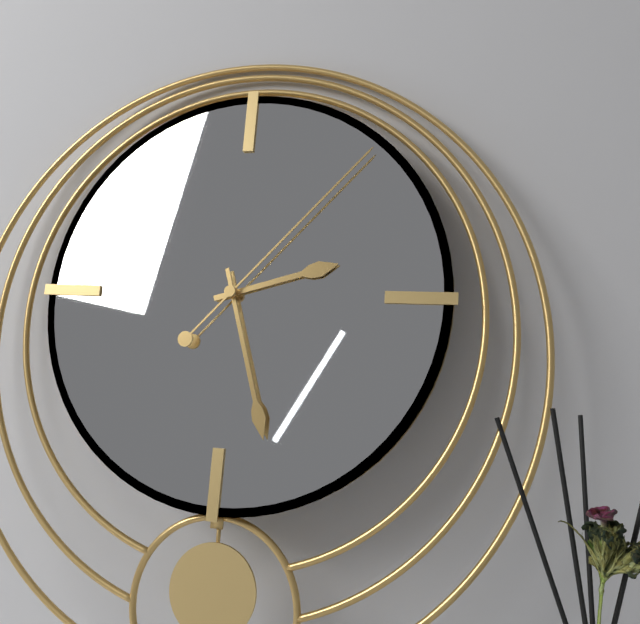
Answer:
2h27m07s
